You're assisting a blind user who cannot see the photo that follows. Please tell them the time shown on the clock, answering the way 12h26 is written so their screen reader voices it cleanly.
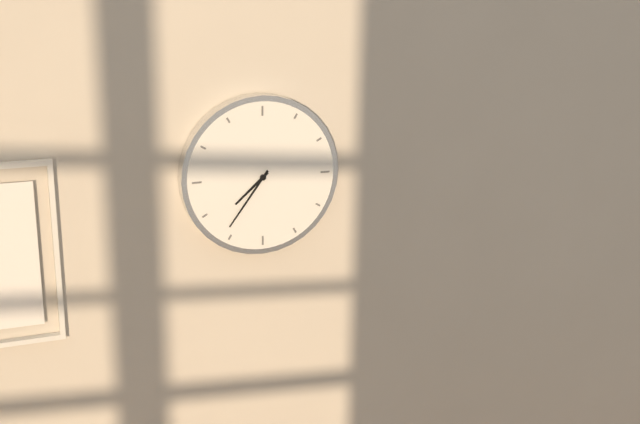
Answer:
7h36
